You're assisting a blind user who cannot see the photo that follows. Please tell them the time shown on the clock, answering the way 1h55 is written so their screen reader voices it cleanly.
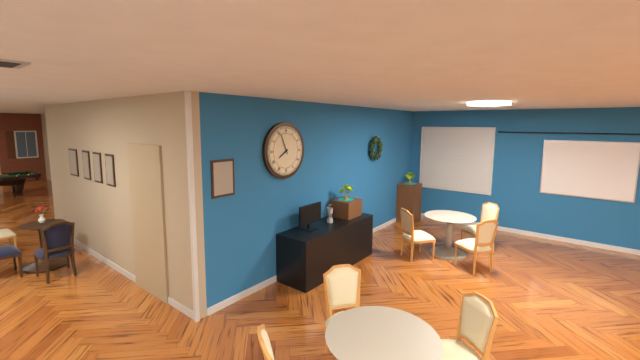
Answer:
7h56
